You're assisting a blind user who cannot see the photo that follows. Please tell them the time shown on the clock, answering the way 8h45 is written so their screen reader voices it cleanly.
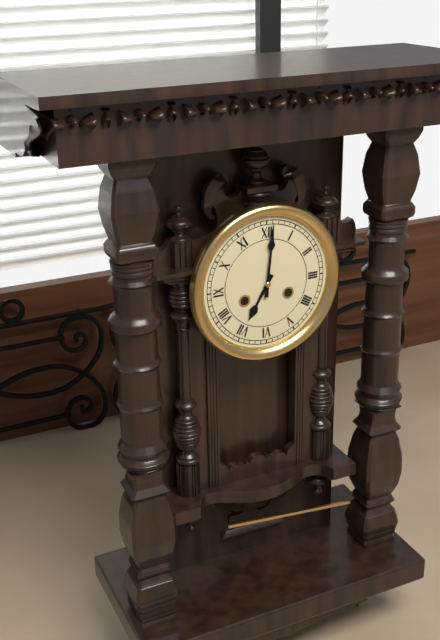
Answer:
7h01
